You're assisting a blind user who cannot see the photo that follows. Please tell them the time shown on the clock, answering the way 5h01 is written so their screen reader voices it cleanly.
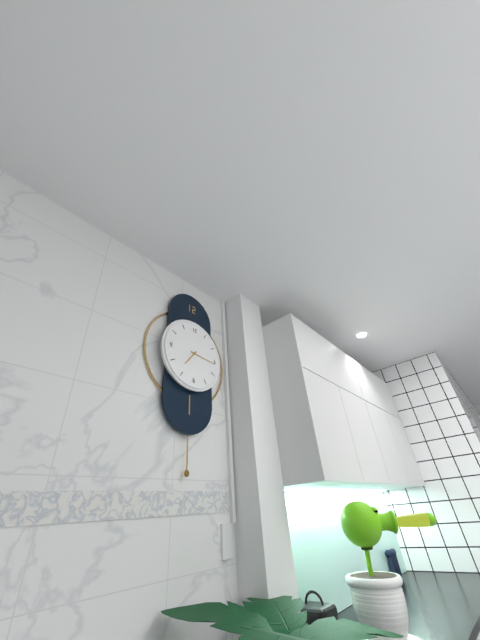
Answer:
7h16
